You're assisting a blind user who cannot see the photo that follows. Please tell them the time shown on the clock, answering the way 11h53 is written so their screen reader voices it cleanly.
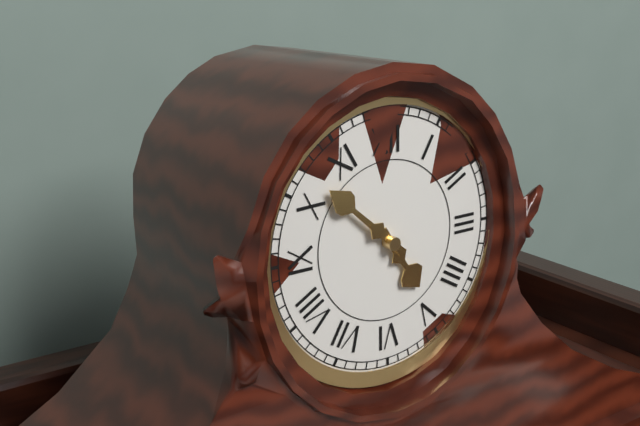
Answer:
4h52
